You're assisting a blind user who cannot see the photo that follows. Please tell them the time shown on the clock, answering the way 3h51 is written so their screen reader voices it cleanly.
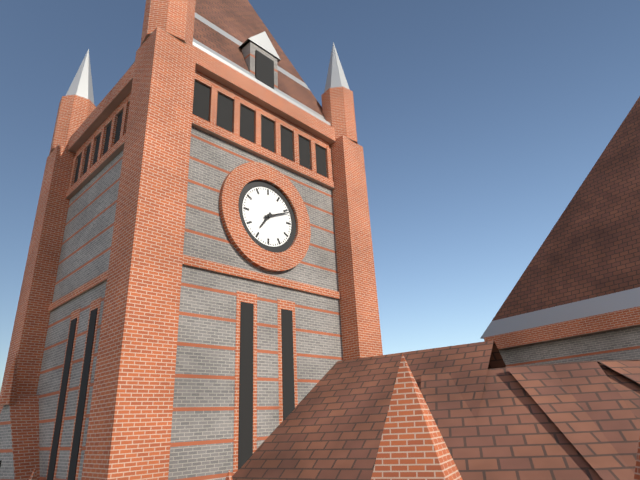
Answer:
7h11
